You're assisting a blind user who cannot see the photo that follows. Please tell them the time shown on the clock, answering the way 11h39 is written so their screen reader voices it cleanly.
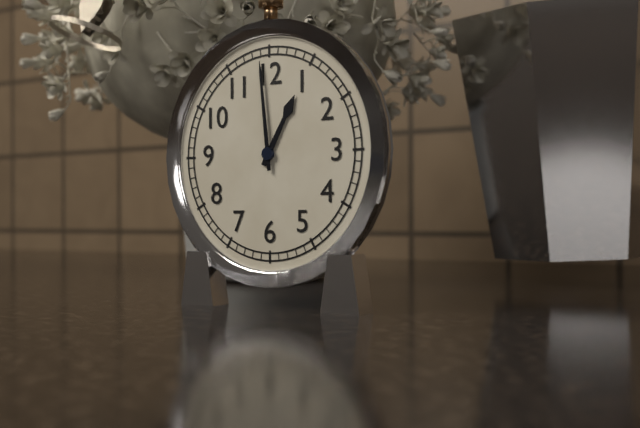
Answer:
12h59
